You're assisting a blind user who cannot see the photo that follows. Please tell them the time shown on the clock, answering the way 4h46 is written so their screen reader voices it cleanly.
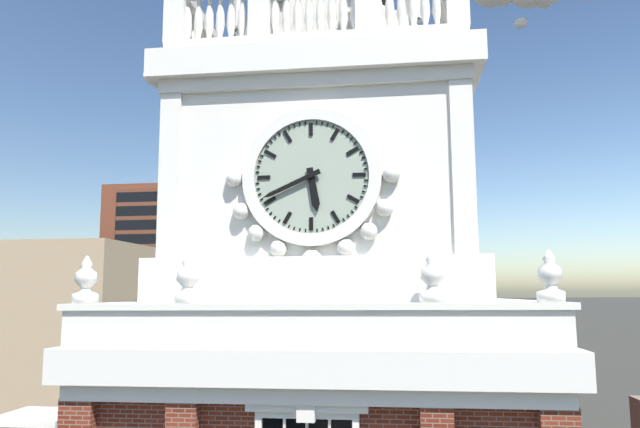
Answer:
5h41
